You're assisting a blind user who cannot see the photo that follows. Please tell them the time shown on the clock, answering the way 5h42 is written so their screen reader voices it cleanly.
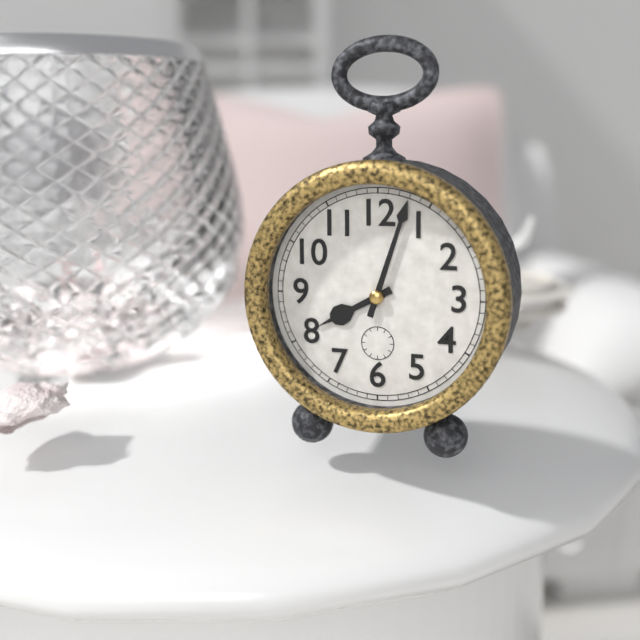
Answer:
8h03
